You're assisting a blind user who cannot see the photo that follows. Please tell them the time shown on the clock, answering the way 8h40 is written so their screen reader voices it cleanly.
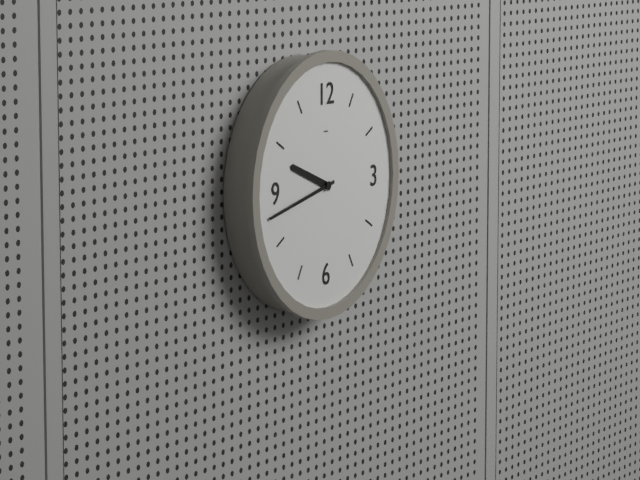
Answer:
9h43
